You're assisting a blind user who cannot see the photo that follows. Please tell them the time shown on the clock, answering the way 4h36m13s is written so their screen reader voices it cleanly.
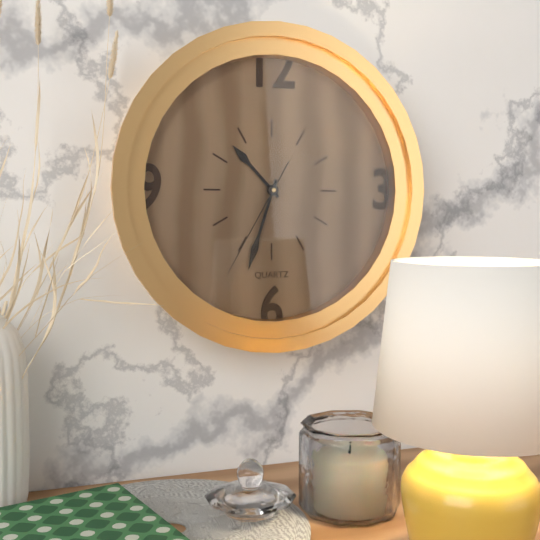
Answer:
10h33m35s
